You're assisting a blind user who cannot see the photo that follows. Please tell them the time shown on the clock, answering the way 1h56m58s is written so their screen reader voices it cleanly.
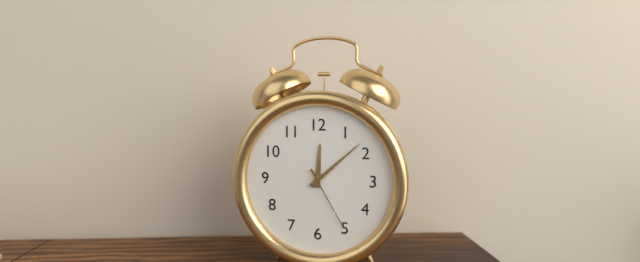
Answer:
12h08m25s
